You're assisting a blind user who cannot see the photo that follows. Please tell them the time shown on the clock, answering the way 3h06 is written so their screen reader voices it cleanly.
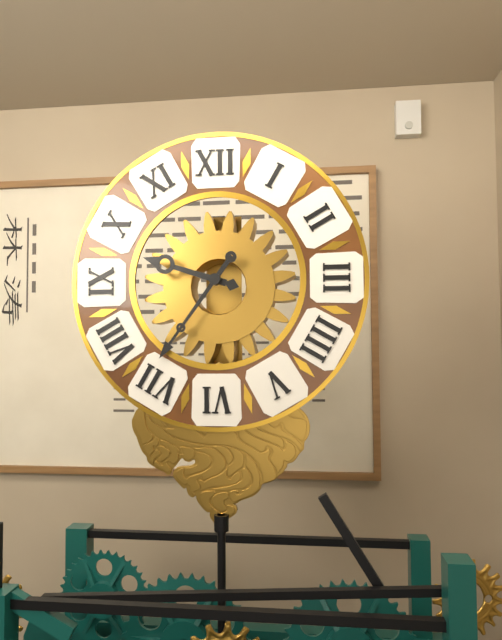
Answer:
9h36
